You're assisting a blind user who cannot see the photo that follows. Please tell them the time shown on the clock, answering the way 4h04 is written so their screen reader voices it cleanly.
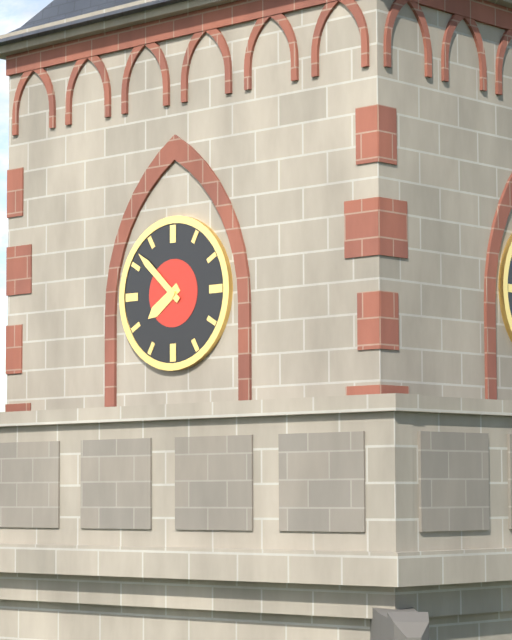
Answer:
7h52
